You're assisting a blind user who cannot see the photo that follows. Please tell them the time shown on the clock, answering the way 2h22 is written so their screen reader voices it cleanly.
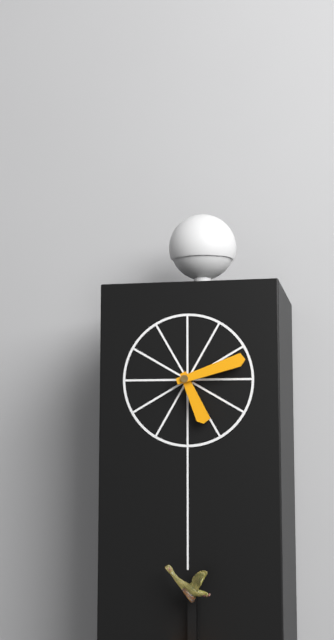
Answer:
5h12
